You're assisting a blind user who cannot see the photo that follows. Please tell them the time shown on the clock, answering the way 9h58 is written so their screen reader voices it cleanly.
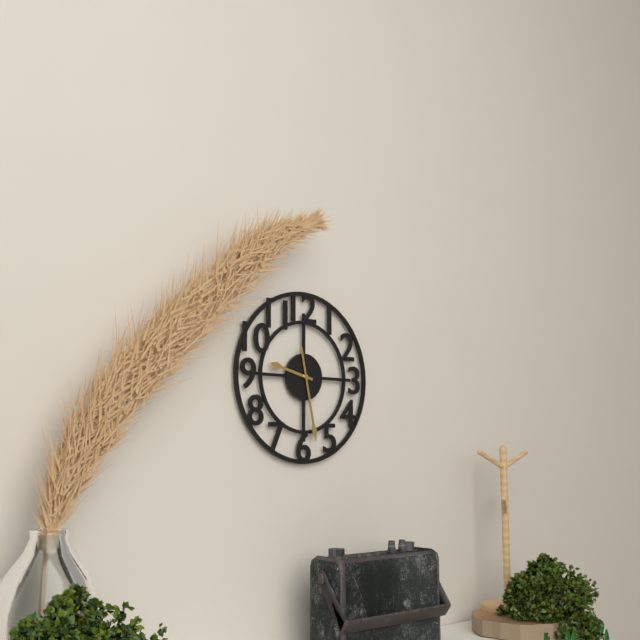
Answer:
9h28
